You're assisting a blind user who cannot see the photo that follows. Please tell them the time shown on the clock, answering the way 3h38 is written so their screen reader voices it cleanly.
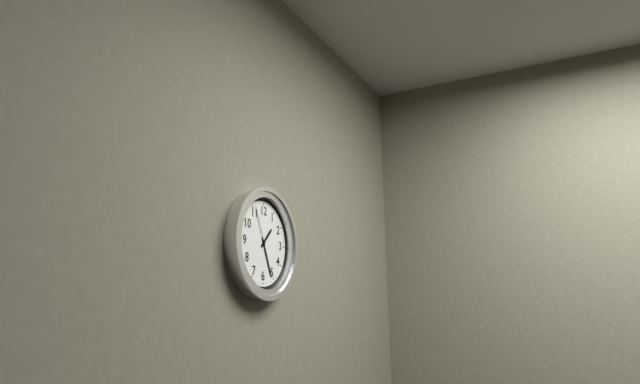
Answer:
1h26
